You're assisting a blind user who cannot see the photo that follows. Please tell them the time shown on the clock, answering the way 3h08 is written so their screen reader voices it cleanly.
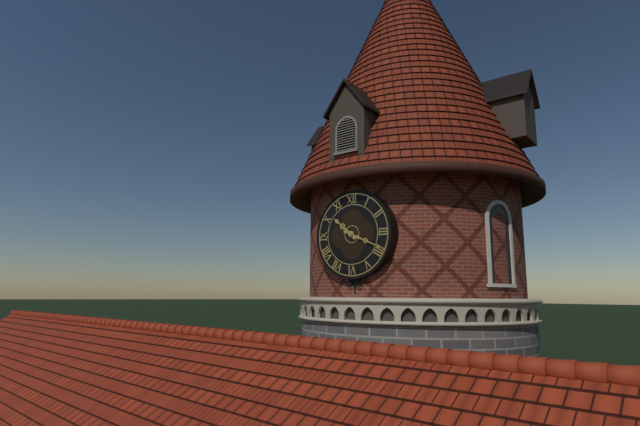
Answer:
10h19
